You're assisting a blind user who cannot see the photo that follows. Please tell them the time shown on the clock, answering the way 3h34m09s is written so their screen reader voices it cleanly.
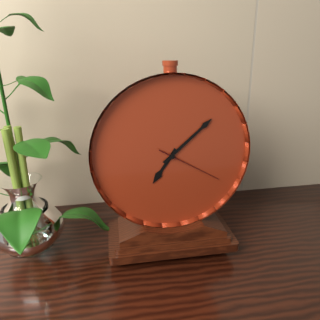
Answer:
7h08m20s
